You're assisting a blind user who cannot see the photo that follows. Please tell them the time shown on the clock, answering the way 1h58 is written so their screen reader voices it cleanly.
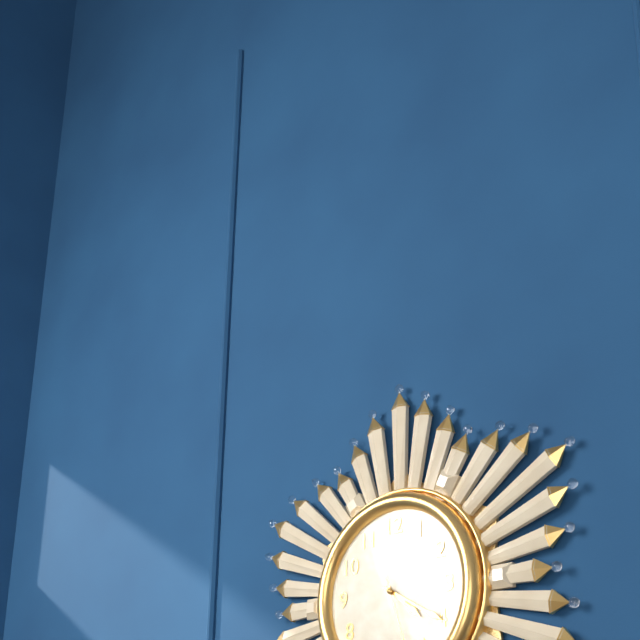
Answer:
4h20
